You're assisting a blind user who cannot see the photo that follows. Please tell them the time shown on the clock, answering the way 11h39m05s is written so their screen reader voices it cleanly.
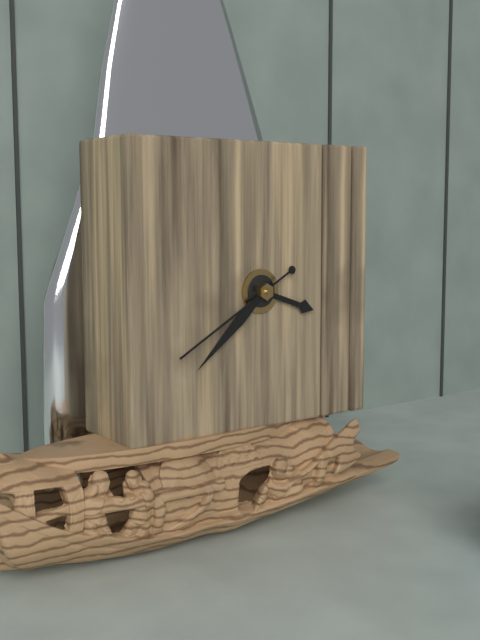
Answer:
3h38m40s
